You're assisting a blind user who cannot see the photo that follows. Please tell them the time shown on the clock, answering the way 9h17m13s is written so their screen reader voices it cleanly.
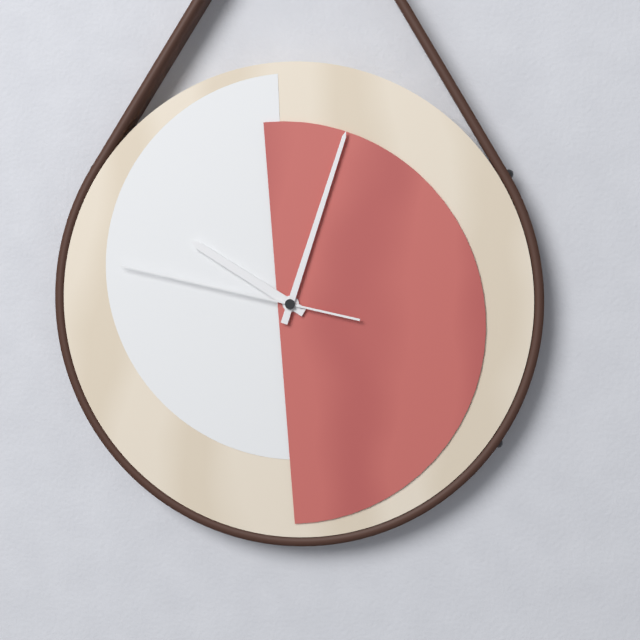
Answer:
10h03m47s
